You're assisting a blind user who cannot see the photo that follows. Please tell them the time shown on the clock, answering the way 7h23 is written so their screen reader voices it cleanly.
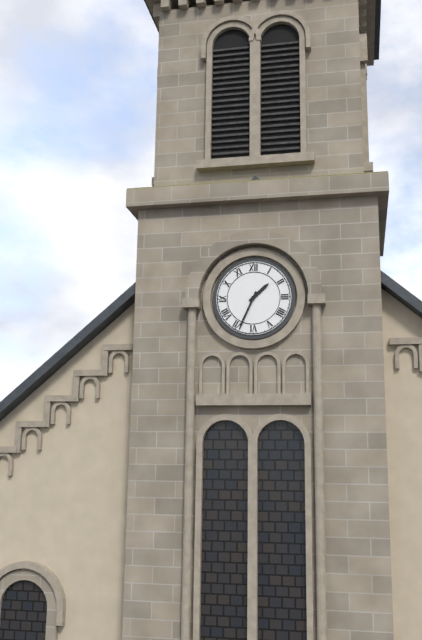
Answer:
1h34
